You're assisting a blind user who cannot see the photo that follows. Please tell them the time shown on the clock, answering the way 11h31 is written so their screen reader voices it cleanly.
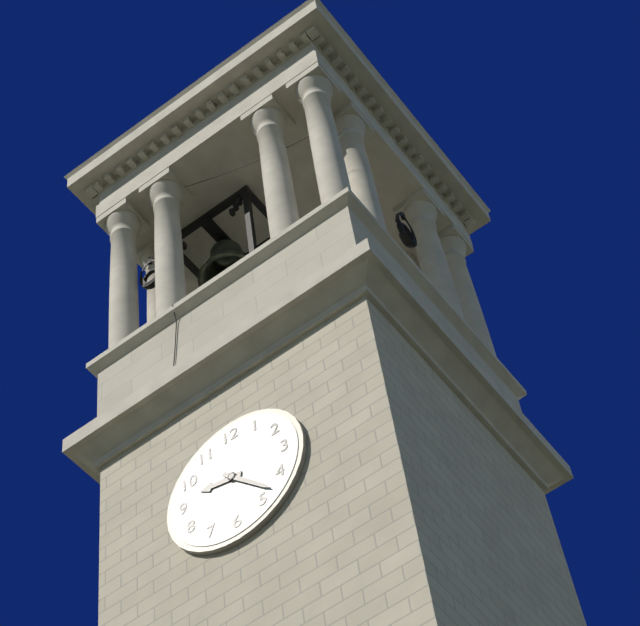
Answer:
9h23
